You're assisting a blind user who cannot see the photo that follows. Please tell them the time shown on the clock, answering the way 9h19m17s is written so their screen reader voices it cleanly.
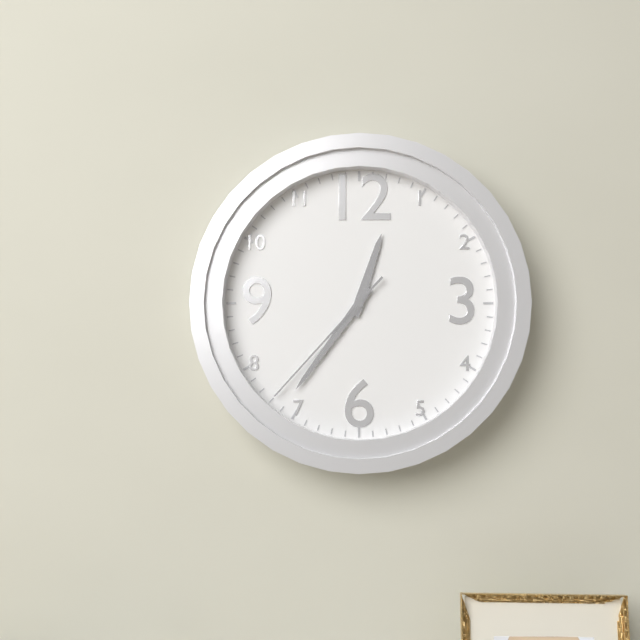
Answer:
12h36m37s
